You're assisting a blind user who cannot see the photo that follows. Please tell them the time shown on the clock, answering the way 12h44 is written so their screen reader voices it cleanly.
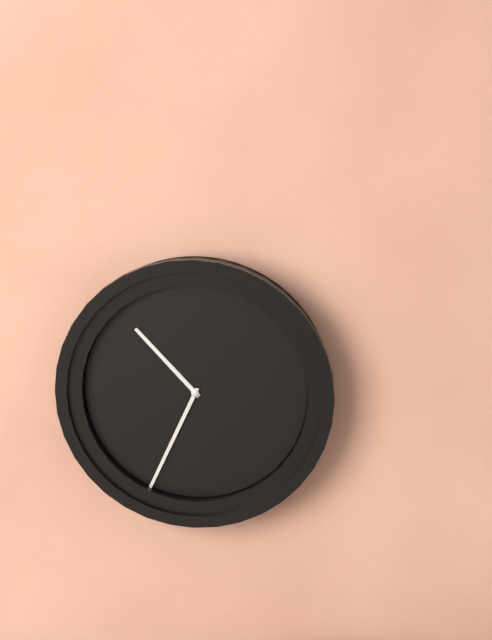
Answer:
10h34
